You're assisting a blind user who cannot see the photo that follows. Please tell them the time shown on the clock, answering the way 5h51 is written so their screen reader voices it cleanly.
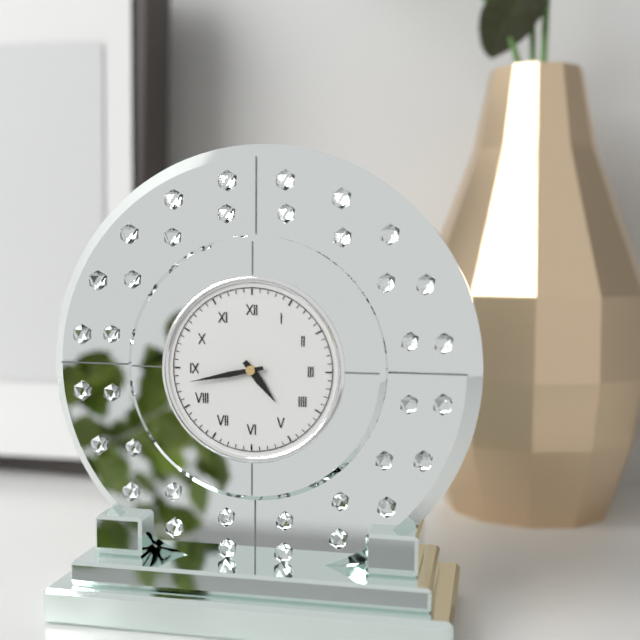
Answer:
4h43
